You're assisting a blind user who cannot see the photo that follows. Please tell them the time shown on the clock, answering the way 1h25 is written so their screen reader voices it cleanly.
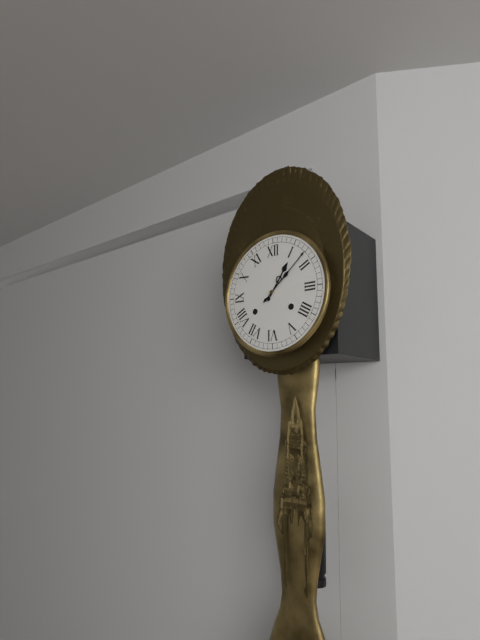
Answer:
1h08
